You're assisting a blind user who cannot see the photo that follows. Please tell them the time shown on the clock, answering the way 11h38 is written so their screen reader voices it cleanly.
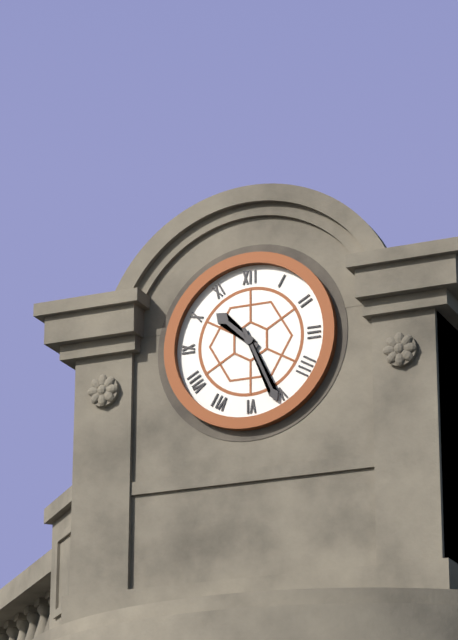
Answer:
10h26
